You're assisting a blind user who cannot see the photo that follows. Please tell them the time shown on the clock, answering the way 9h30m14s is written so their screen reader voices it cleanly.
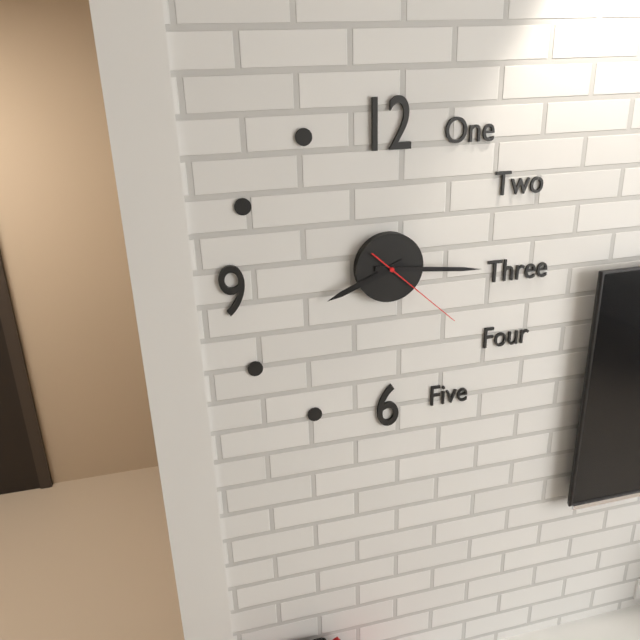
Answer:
8h16m22s
